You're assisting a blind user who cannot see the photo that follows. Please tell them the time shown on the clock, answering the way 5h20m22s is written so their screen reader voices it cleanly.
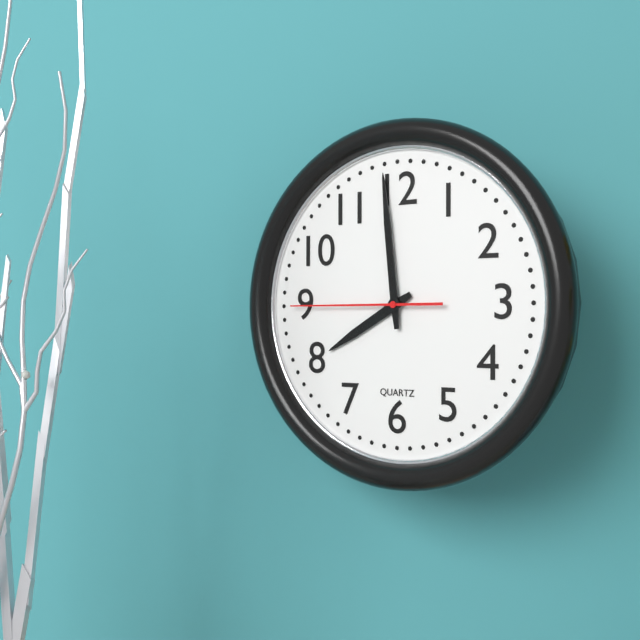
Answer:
7h59m45s
